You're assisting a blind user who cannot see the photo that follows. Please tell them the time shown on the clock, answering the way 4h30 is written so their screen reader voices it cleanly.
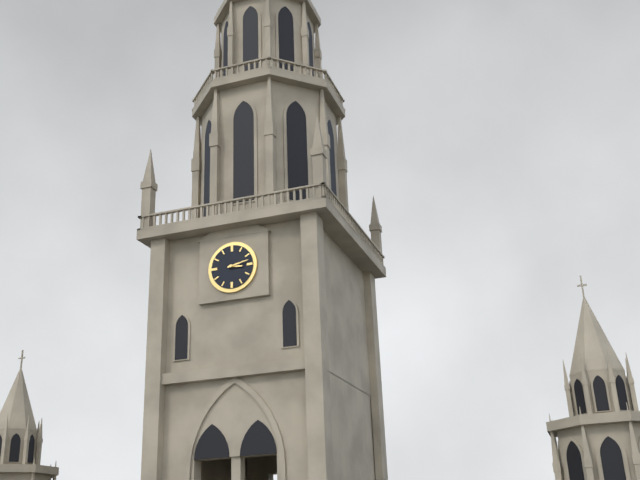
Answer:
3h13
